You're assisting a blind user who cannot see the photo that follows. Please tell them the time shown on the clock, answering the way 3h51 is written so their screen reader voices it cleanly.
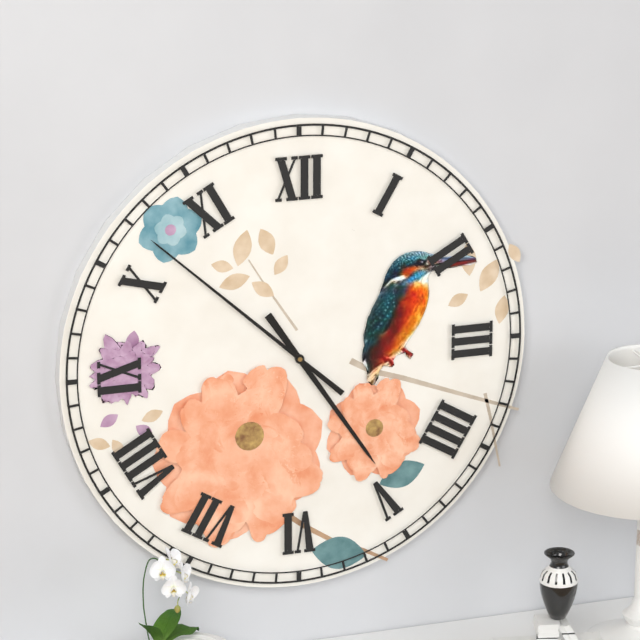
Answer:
4h52
